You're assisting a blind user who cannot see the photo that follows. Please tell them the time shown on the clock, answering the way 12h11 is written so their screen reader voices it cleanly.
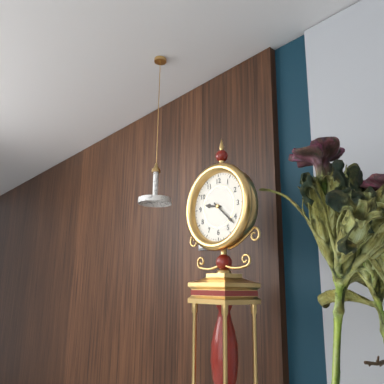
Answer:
9h22
